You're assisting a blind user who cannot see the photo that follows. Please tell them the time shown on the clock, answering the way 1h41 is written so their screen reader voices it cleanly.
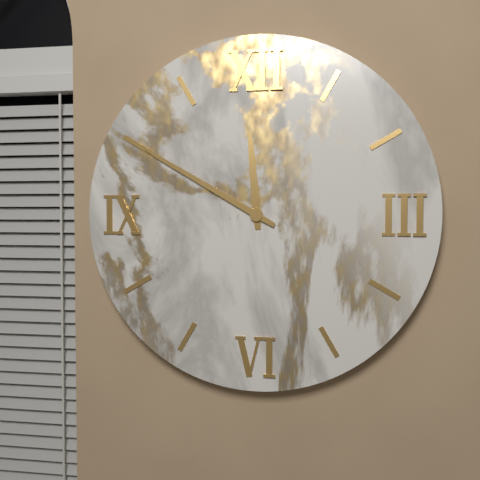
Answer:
11h50
